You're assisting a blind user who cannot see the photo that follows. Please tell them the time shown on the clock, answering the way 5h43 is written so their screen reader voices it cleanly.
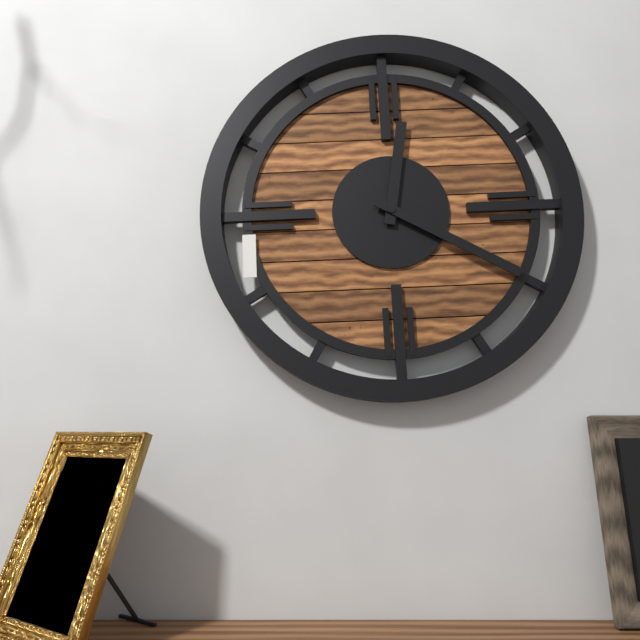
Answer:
12h20
